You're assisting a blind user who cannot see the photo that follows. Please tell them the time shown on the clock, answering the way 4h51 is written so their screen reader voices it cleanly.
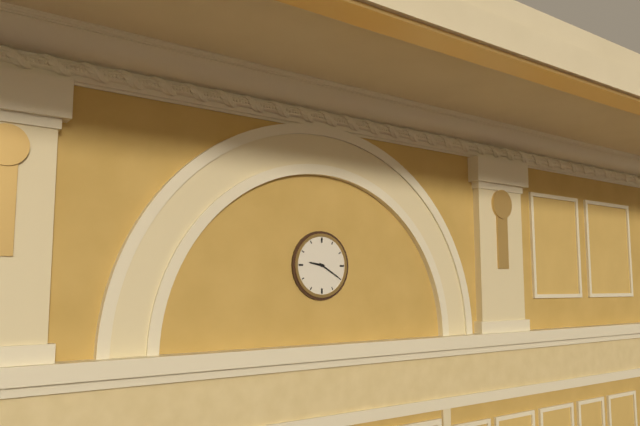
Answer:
9h20
